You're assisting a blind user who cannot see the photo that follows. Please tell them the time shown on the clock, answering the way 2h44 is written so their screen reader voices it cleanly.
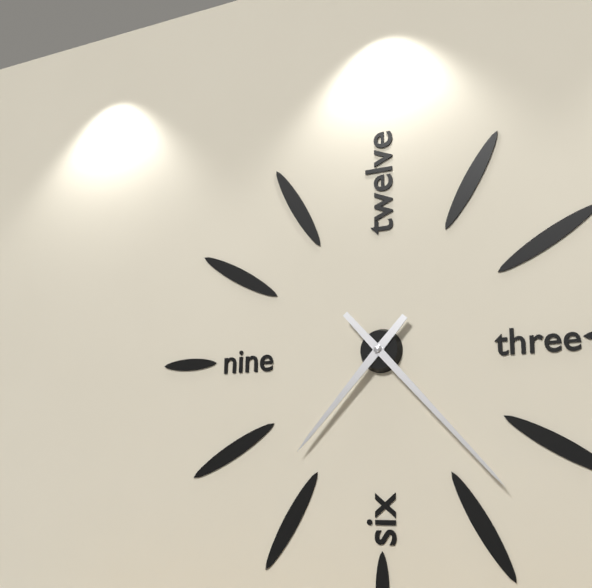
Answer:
7h23
